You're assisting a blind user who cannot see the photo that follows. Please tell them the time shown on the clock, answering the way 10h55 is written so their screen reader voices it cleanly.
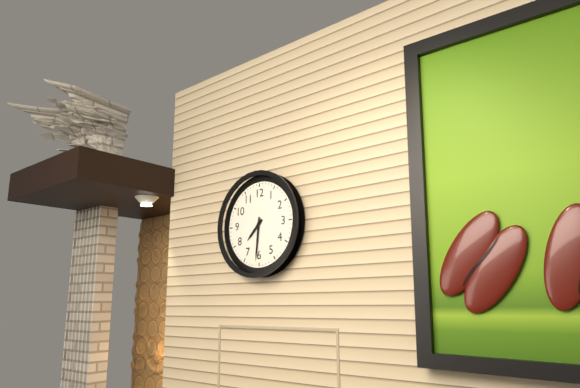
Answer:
7h31
